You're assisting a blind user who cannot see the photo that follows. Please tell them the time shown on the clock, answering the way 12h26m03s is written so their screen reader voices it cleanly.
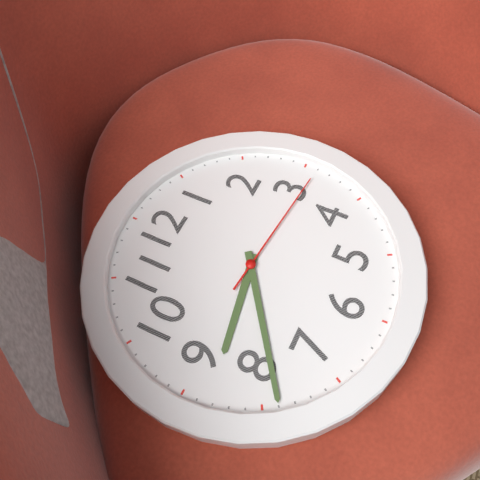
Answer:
8h39m16s
